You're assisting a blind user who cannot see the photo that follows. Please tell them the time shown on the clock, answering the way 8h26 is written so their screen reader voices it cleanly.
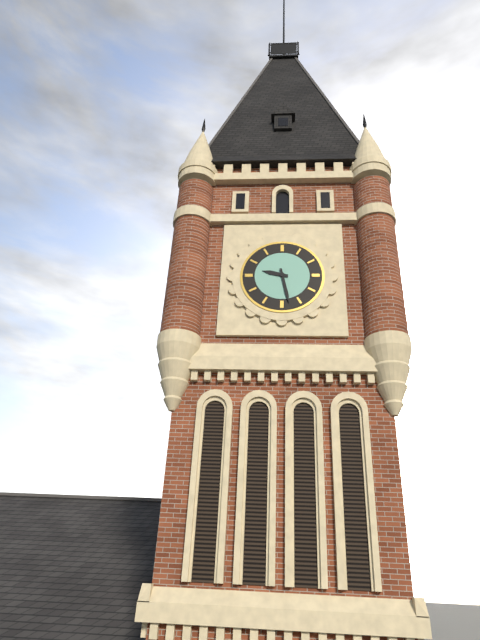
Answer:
9h28
